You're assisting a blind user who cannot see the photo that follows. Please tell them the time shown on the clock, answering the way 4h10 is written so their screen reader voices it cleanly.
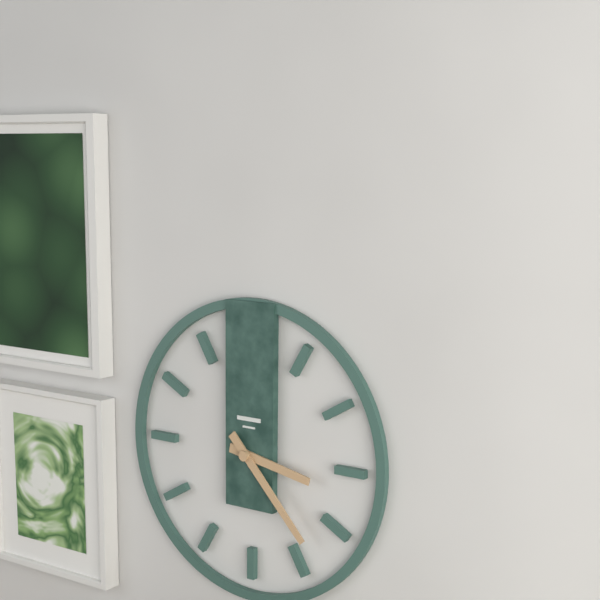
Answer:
3h23
